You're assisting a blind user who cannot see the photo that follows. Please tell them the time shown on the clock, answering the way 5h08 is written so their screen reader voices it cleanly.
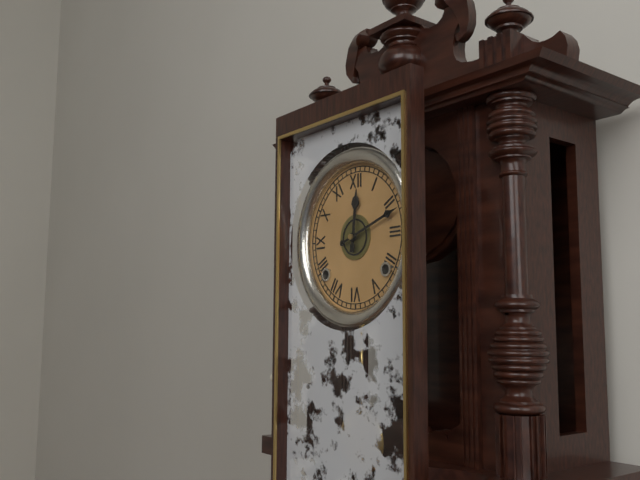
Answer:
12h12
